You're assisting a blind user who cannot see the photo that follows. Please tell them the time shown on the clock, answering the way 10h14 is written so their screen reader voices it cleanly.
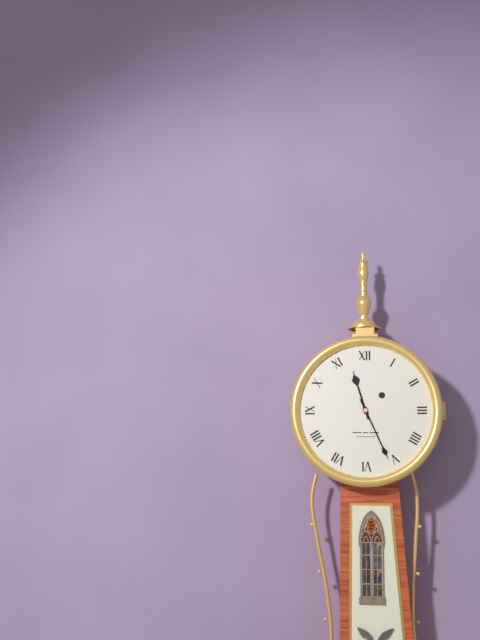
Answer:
11h26
